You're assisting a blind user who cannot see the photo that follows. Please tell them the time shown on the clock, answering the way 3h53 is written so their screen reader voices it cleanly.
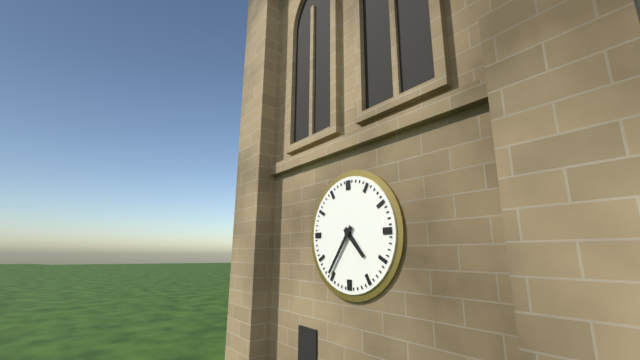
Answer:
4h36
